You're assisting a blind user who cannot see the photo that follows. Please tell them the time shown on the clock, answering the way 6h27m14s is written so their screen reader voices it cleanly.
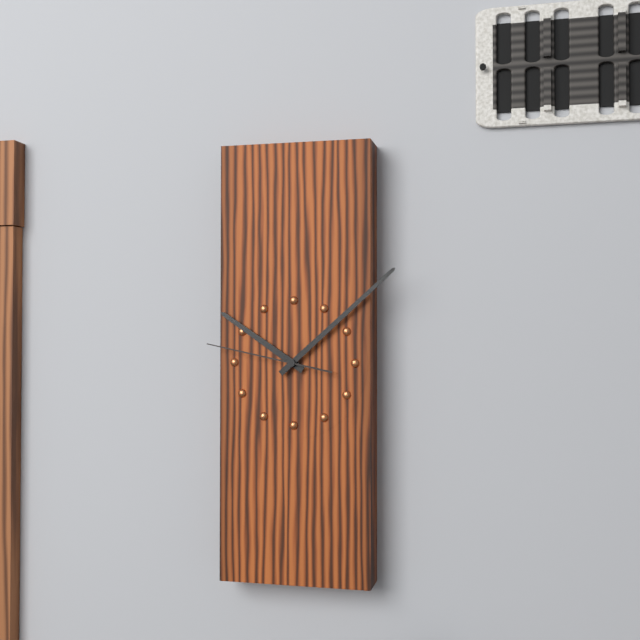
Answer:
10h08m47s
